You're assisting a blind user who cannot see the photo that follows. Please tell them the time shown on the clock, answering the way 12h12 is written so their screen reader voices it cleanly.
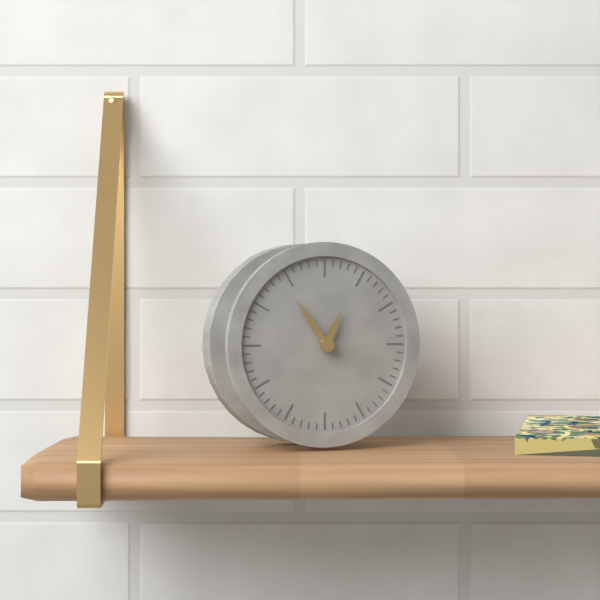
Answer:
12h54
